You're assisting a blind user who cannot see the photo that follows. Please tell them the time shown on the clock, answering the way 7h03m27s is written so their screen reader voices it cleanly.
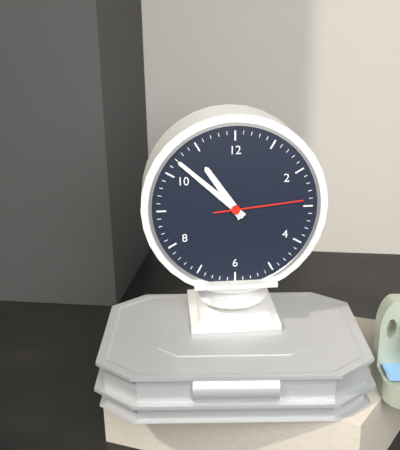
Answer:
10h52m14s
